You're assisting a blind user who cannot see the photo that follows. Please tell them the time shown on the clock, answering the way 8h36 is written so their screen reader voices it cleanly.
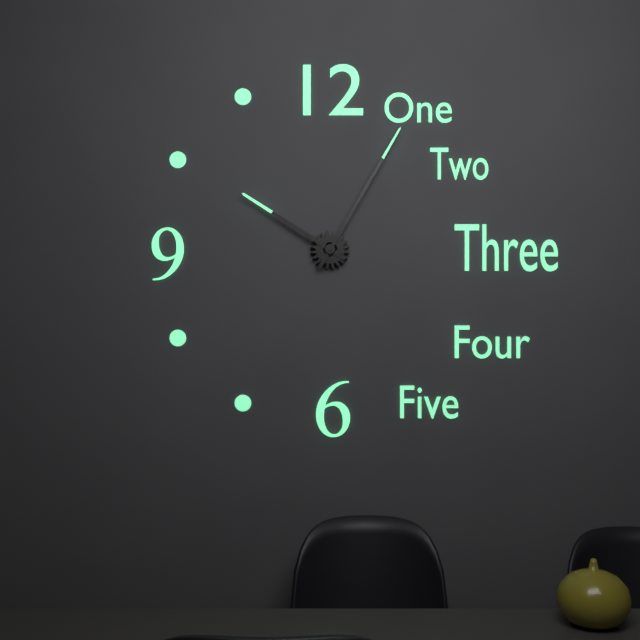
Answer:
10h05
